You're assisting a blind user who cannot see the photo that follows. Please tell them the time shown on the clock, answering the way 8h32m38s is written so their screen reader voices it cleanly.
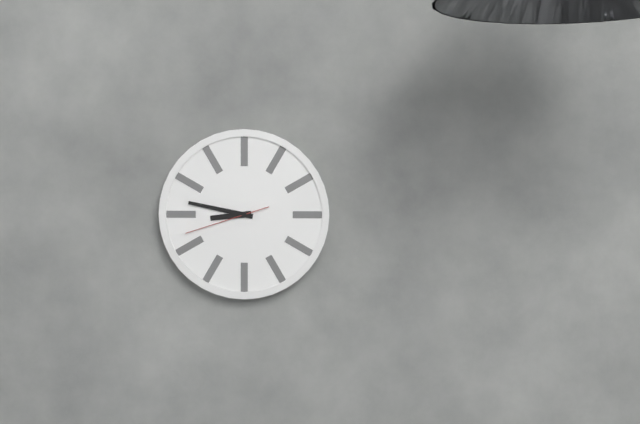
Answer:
8h47m42s
